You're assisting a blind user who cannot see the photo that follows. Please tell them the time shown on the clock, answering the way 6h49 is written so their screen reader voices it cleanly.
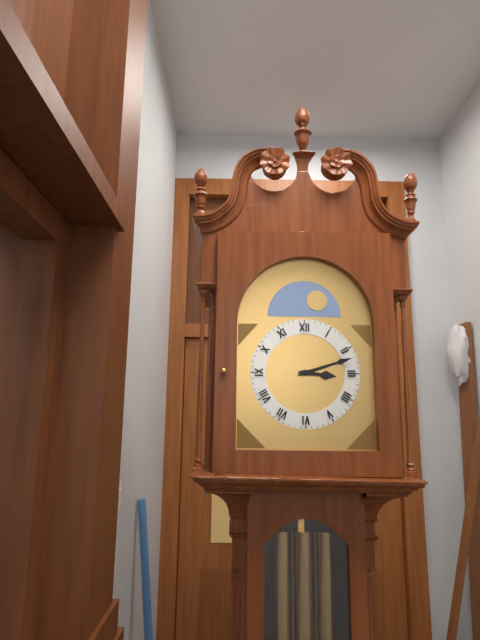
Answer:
3h12
